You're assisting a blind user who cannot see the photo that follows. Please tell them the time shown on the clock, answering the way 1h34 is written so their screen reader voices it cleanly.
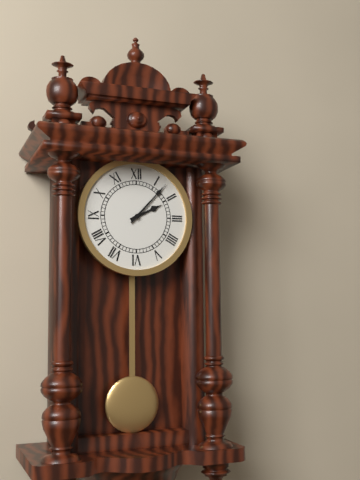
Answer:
2h07
